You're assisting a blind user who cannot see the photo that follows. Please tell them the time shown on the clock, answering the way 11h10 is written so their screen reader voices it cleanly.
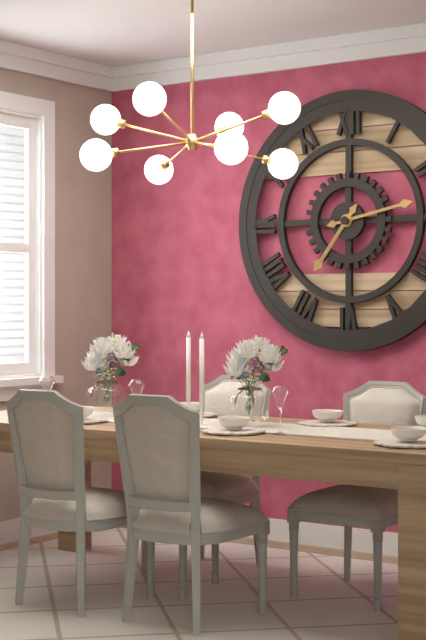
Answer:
7h13
